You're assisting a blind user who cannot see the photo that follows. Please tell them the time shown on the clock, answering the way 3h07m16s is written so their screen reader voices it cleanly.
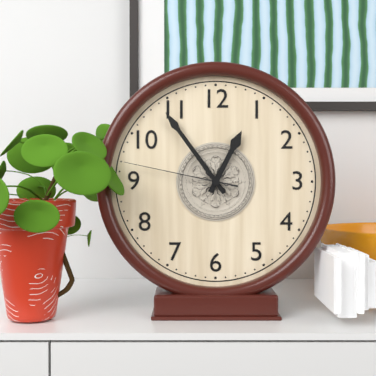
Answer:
12h54m47s
